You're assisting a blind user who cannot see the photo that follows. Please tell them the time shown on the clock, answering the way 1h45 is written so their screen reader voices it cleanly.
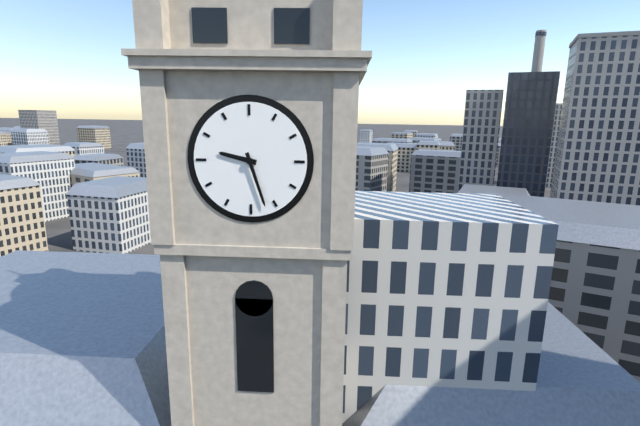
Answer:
9h27
